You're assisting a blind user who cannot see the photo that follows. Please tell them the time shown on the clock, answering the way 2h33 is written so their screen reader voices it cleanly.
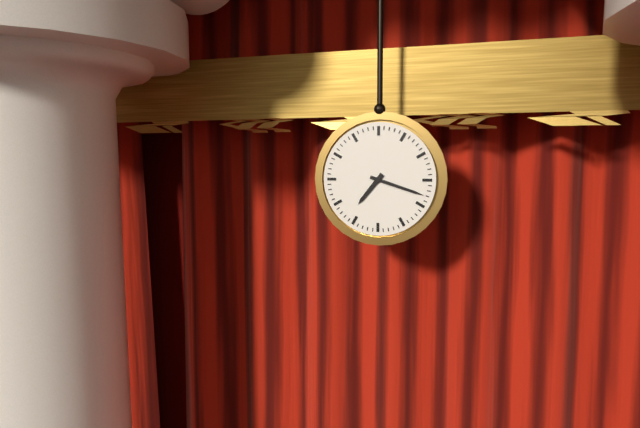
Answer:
7h18
